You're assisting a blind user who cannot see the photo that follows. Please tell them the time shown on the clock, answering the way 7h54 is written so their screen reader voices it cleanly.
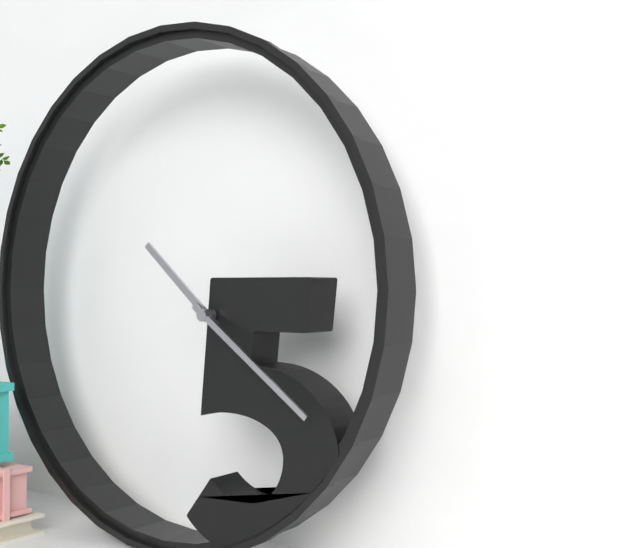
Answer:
10h21
